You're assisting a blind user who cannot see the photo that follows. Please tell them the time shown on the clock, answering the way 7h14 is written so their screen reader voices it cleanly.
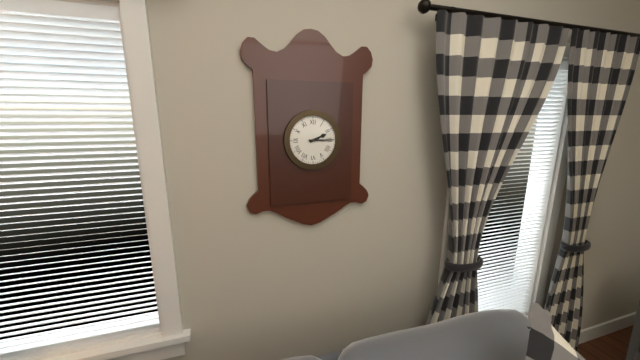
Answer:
2h15
